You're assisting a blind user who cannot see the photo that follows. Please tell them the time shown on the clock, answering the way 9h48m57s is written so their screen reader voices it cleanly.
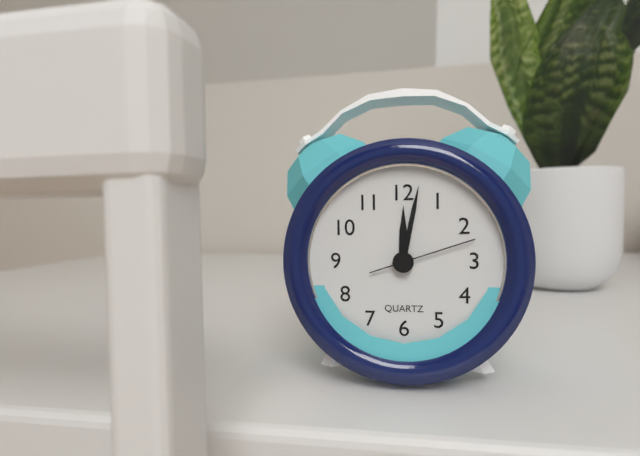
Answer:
12h02m12s
